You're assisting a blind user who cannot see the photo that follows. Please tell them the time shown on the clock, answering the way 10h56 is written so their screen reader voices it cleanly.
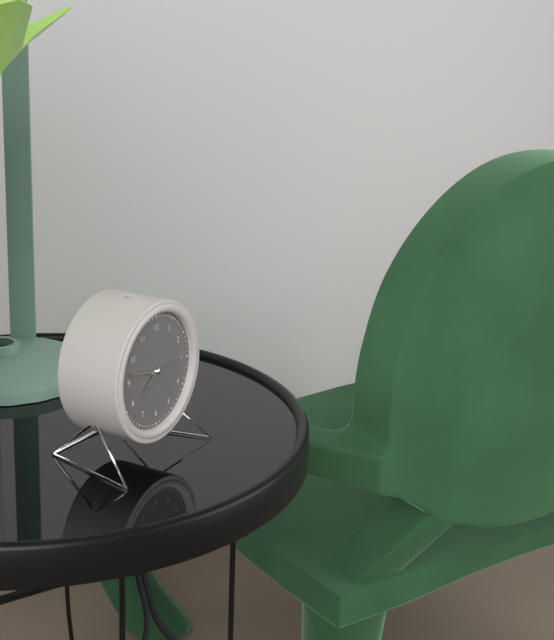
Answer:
7h47
